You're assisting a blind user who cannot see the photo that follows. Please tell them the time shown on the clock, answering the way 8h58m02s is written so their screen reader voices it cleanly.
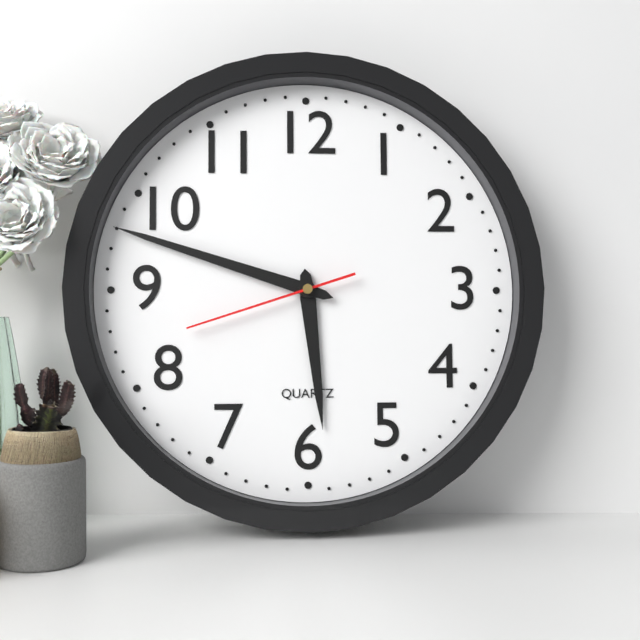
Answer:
5h48m42s
